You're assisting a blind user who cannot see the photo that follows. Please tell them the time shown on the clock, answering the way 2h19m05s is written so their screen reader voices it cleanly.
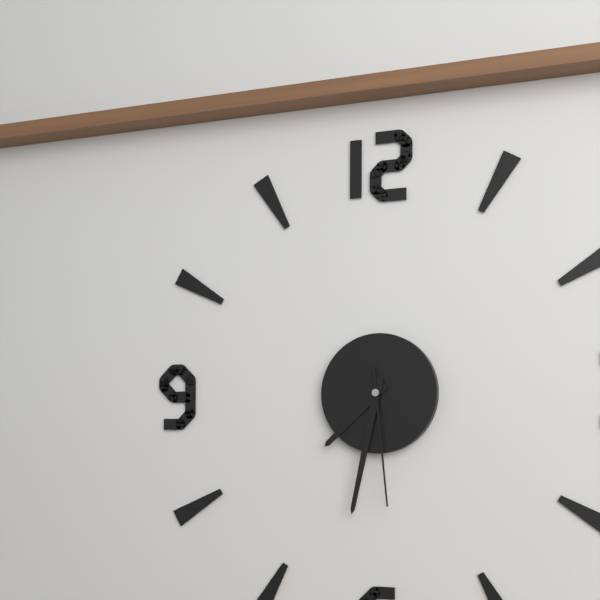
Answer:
7h32m29s
